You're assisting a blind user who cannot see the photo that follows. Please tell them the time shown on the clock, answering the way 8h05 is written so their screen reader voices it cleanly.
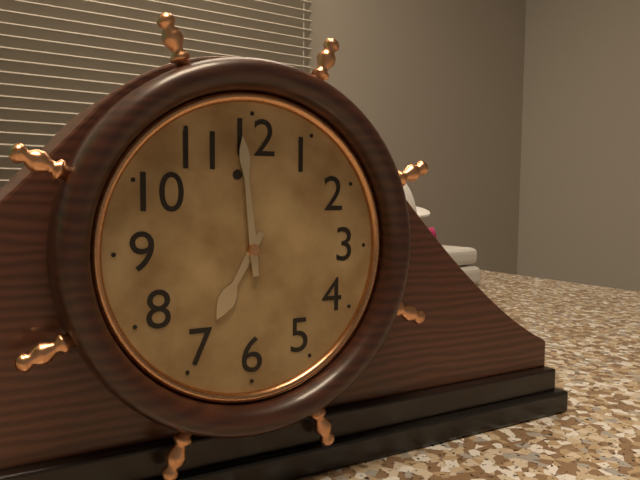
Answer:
6h59
